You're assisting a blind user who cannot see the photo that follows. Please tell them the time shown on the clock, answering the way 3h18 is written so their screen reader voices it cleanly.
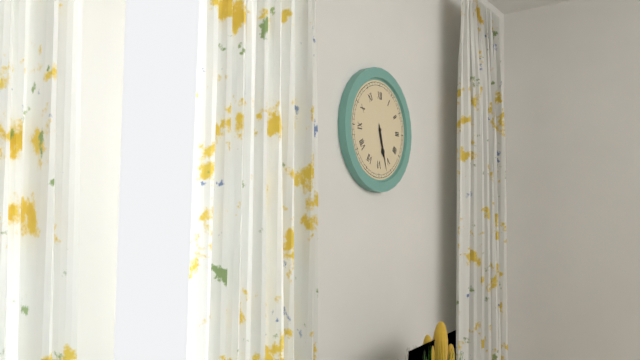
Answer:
5h27
